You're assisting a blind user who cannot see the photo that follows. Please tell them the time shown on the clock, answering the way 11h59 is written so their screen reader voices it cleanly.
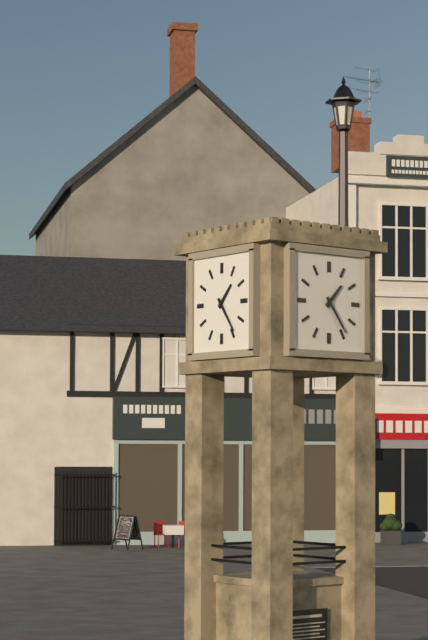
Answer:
1h24
